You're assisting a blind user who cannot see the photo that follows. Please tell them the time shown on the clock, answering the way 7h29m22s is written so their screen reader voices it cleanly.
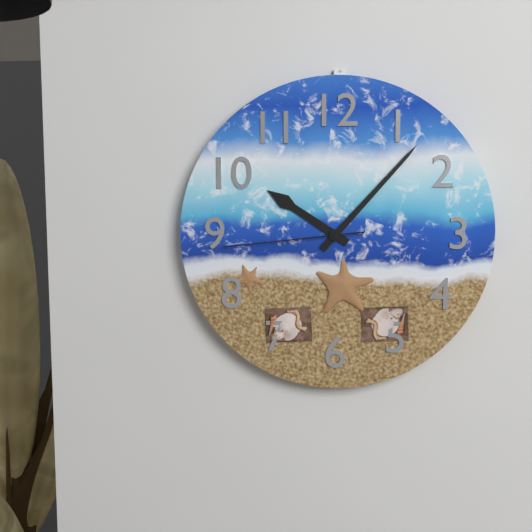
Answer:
10h07m44s
